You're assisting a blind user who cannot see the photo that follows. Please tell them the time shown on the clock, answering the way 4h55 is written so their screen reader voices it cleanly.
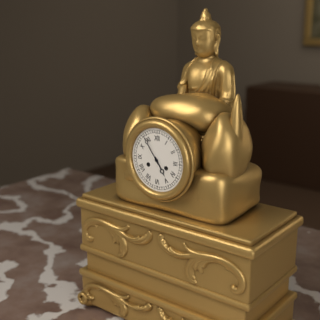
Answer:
4h54
